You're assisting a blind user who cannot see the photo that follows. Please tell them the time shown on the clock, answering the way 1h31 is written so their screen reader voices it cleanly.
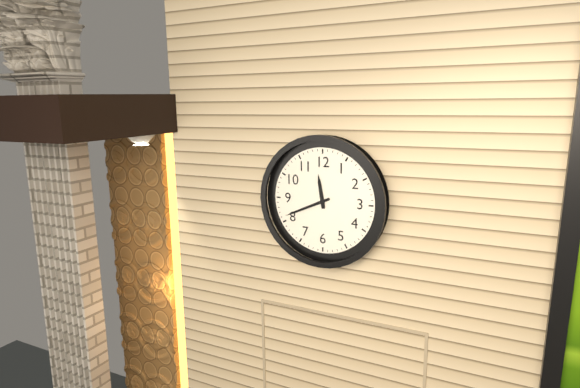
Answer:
11h41
